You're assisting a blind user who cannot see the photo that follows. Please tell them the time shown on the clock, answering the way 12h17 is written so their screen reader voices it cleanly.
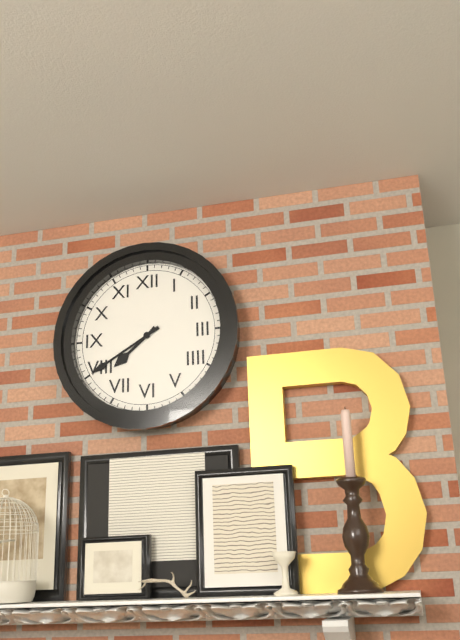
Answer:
7h40
